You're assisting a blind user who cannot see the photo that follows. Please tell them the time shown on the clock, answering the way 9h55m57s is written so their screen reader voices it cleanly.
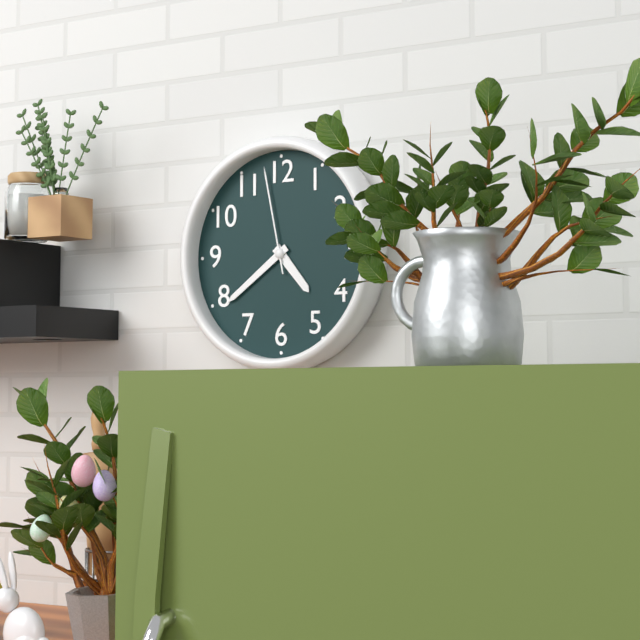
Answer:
4h39m58s
